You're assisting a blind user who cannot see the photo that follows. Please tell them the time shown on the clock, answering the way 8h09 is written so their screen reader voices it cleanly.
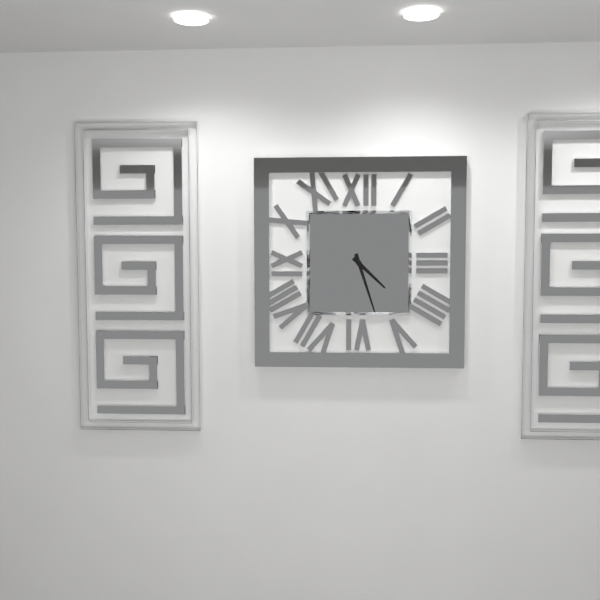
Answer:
4h27
